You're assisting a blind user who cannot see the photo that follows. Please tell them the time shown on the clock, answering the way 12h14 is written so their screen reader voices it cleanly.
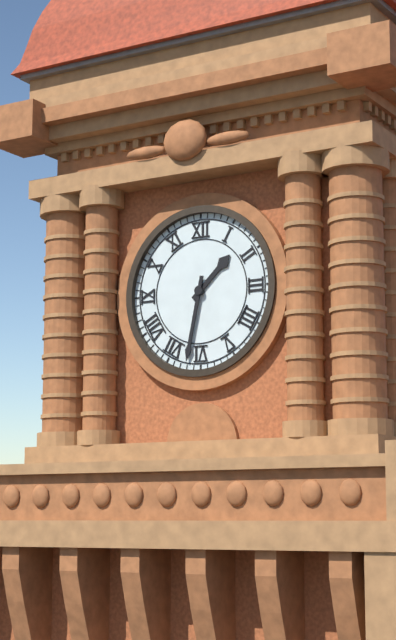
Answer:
1h32
